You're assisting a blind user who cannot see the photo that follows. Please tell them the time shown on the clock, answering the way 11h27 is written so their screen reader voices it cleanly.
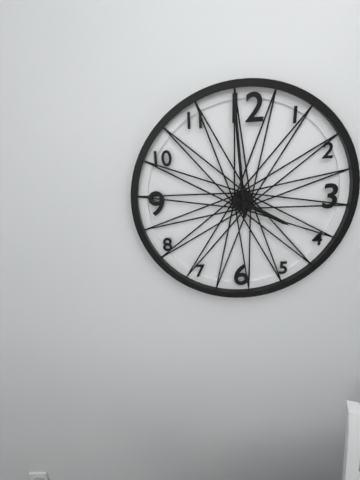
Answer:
3h59
